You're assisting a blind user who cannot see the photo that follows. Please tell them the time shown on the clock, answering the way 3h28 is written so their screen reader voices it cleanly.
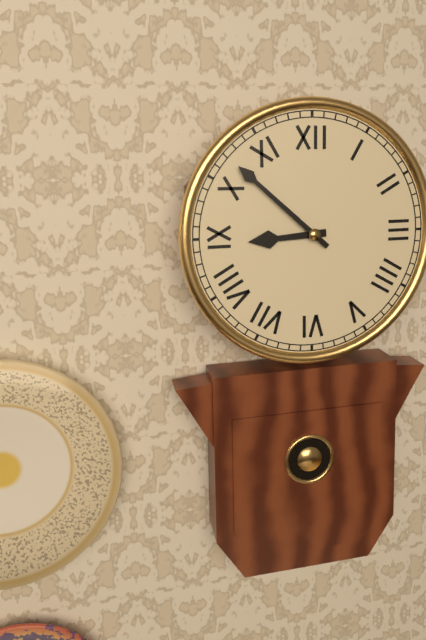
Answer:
8h52
